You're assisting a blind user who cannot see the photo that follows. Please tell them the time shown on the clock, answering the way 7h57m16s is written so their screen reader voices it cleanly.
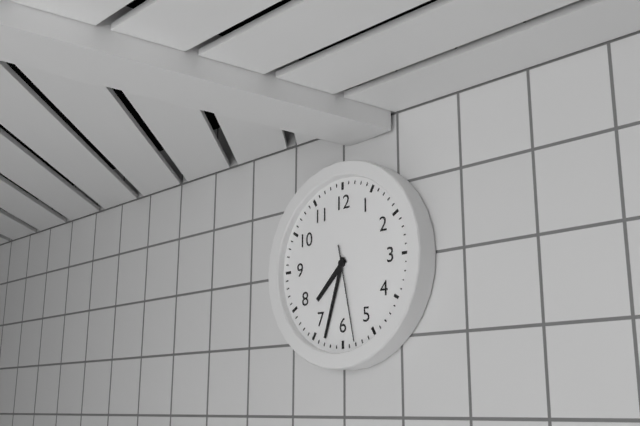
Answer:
7h33m28s
